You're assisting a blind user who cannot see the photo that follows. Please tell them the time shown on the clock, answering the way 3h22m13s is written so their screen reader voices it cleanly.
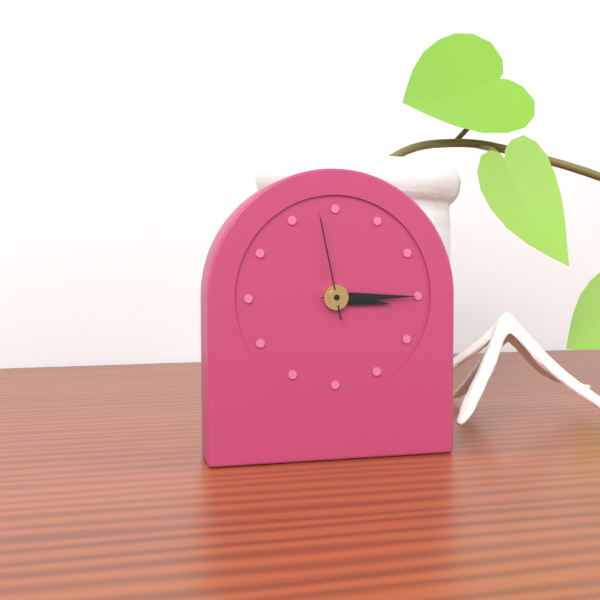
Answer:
3h15m58s
